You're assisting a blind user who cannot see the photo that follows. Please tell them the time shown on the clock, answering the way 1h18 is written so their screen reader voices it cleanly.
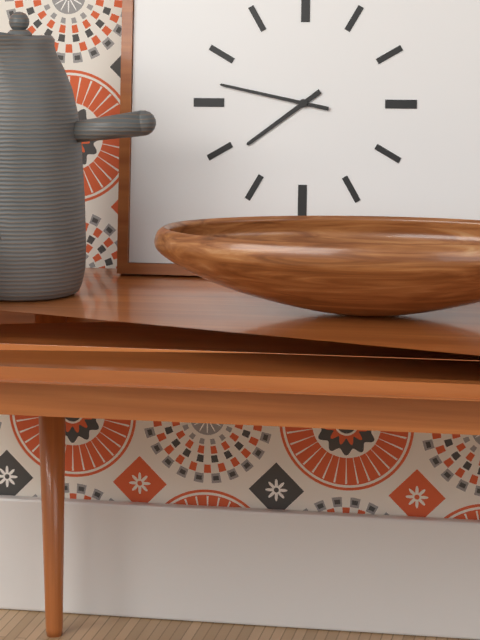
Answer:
7h47
